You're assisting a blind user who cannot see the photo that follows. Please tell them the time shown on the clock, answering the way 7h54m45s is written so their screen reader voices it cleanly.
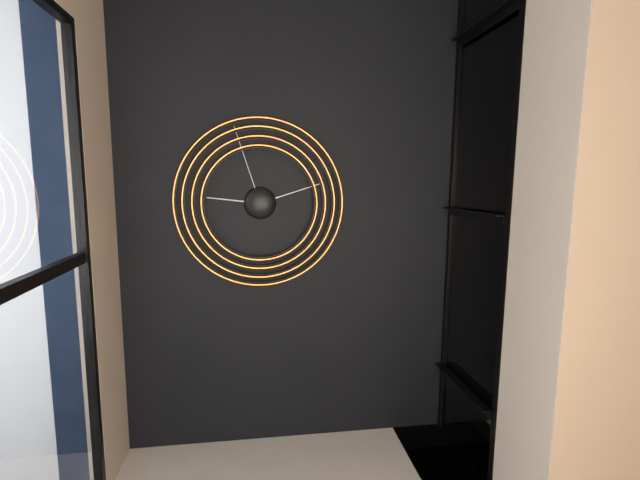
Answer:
9h12m57s
